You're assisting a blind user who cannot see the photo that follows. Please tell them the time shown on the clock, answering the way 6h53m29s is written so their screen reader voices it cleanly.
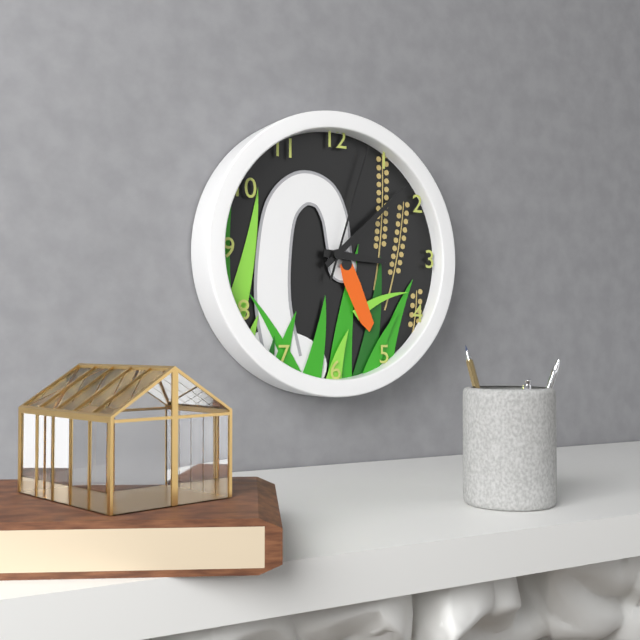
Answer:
3h08m03s
